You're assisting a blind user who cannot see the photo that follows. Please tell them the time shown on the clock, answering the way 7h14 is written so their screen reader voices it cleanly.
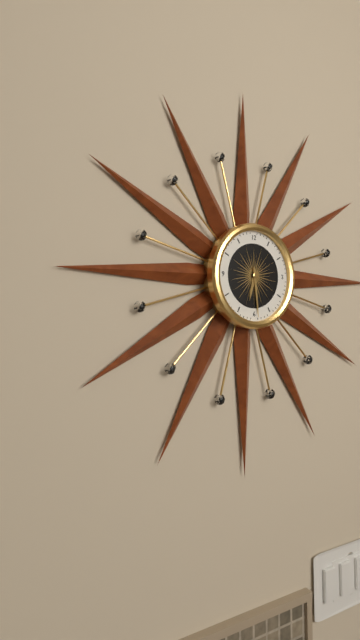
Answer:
6h29
